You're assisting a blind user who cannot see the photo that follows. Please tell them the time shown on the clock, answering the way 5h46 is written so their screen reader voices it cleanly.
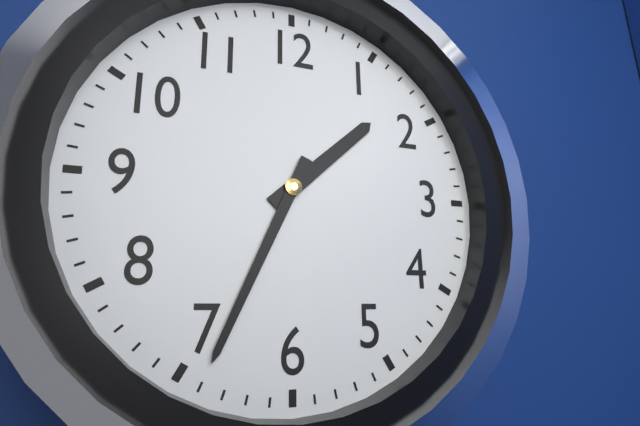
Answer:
1h34
